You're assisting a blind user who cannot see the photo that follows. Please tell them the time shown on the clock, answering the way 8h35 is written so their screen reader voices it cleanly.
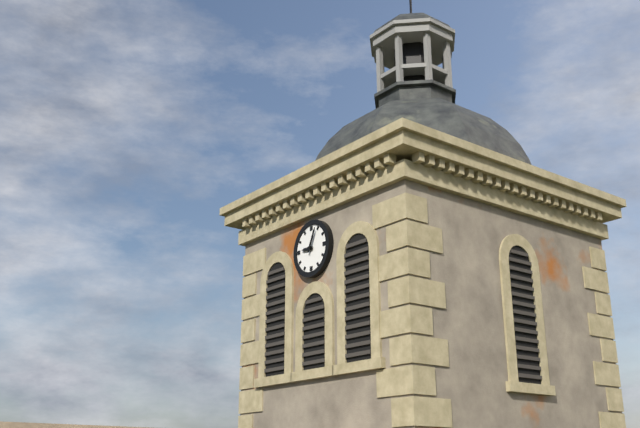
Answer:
9h04
